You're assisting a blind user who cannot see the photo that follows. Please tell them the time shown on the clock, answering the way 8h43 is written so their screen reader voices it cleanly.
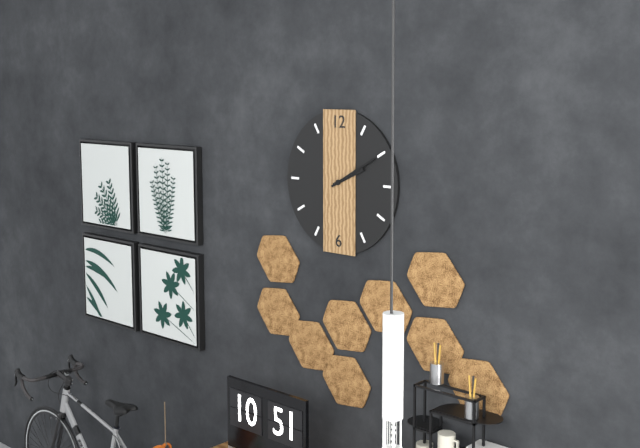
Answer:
2h10
